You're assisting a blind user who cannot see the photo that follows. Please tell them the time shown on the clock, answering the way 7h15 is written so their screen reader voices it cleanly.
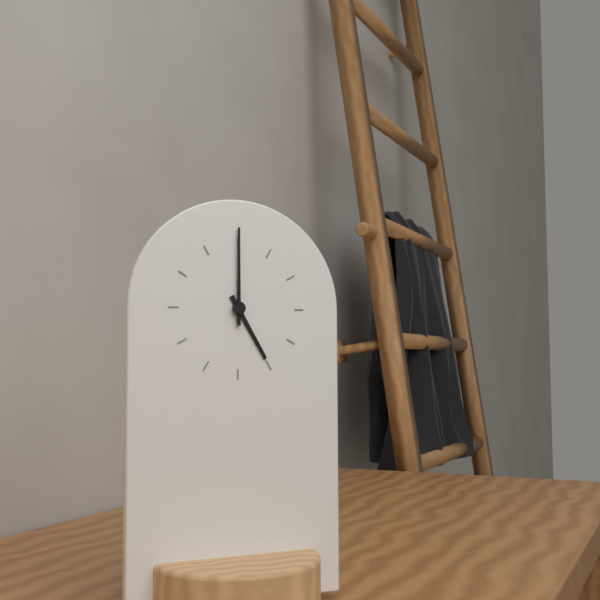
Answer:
5h00
